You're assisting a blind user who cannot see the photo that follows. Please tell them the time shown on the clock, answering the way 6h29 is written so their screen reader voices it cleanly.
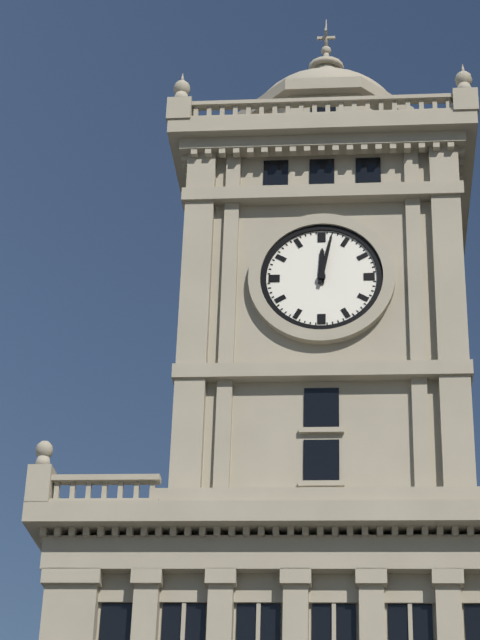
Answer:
12h02
